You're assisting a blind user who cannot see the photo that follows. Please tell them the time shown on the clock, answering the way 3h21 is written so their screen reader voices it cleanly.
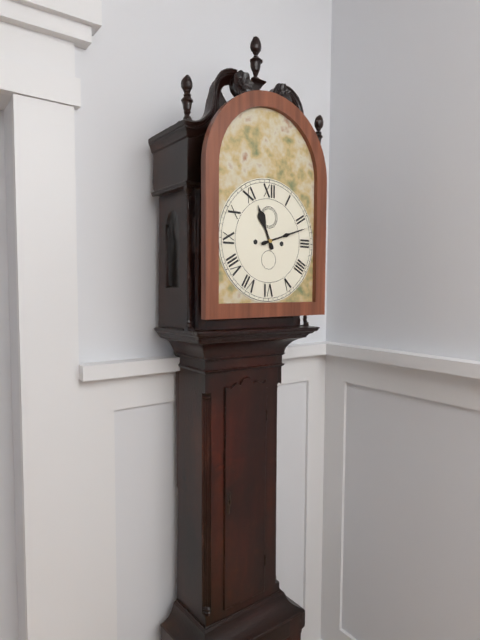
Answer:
11h12
